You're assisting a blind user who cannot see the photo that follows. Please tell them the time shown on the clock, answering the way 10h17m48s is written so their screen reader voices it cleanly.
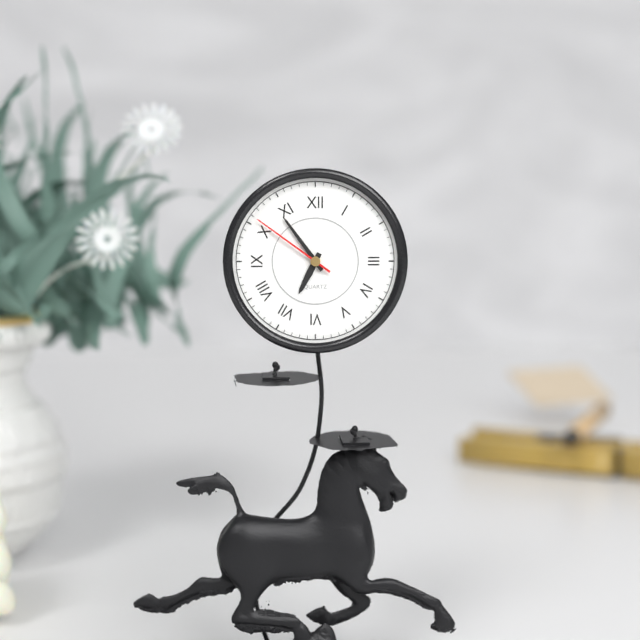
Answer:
6h54m51s
